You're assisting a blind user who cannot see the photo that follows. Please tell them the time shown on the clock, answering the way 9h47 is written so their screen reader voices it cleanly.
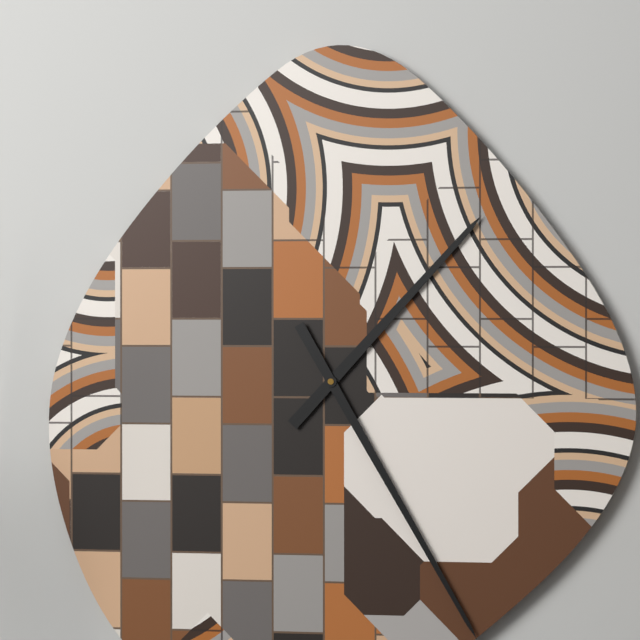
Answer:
1h25
